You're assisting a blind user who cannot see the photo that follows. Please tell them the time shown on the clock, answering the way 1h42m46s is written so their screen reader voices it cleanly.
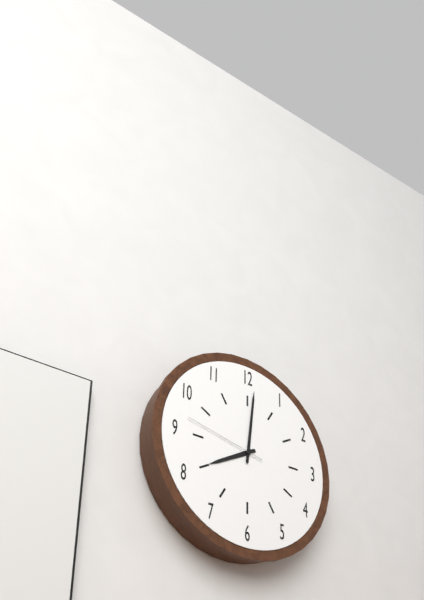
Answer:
8h01m47s
